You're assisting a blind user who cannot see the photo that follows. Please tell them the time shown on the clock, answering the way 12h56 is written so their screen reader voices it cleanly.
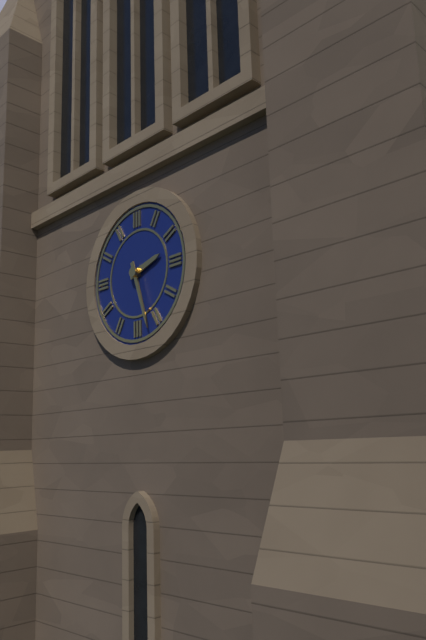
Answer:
2h27
